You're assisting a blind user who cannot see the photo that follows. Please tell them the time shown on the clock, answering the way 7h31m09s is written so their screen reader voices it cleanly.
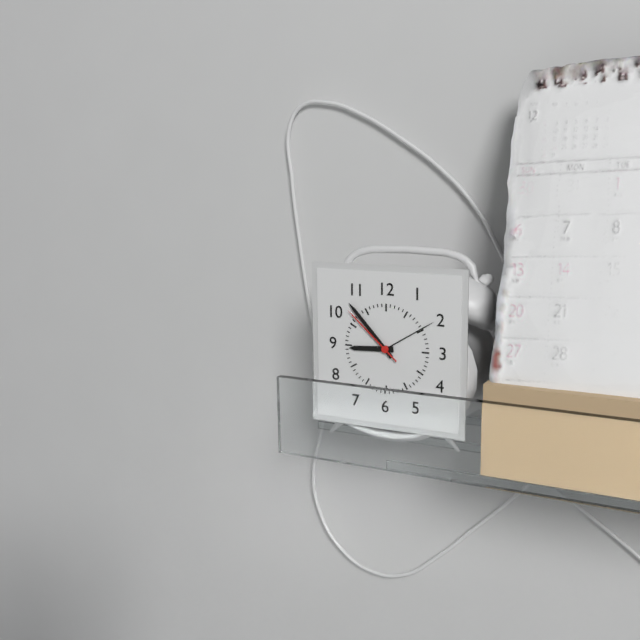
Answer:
8h53m52s
